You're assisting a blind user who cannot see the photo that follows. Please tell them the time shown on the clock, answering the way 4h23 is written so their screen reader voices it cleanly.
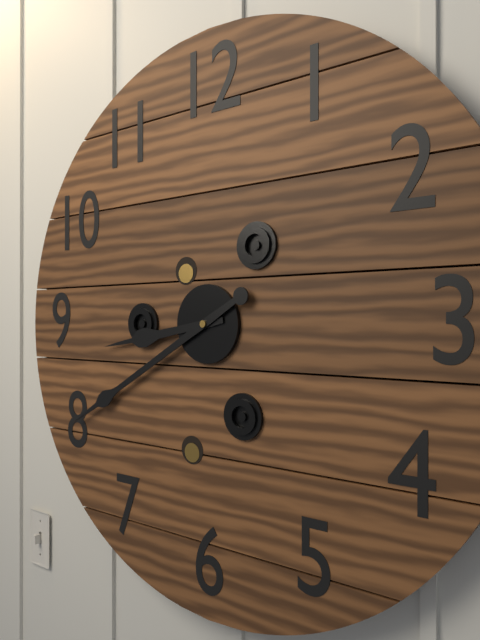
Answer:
8h40
